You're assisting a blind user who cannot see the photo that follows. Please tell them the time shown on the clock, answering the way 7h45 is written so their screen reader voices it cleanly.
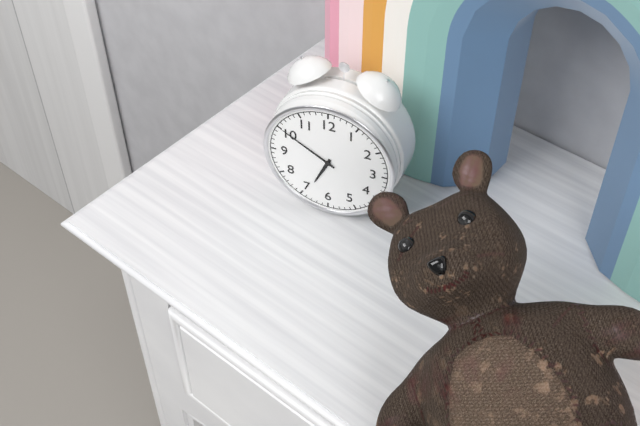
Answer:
6h50
